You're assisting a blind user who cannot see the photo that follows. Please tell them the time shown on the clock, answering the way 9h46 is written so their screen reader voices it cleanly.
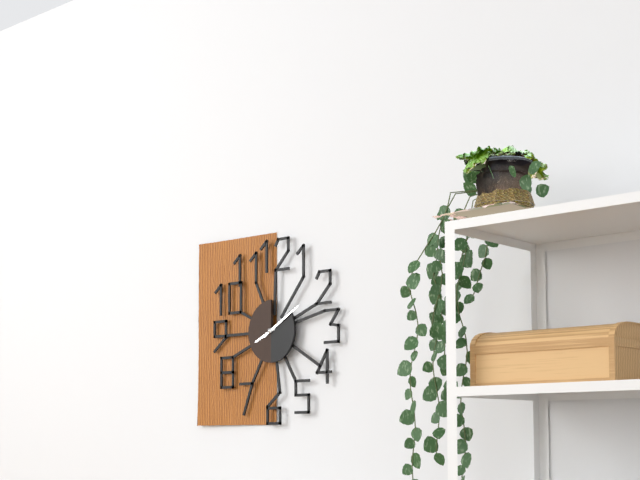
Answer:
8h10
